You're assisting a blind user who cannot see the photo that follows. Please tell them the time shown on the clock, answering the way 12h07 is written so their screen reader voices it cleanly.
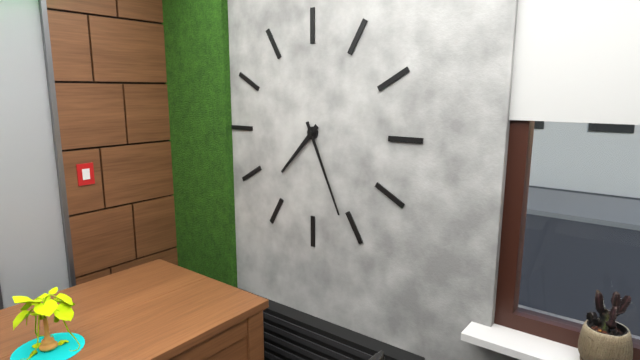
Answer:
7h26
